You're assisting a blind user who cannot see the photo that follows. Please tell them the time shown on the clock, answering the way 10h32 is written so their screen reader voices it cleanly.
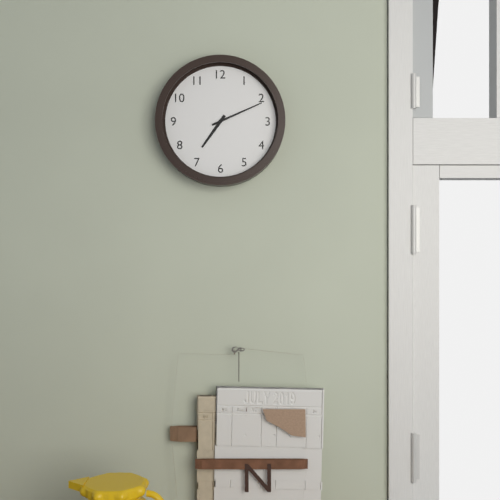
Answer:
7h11
